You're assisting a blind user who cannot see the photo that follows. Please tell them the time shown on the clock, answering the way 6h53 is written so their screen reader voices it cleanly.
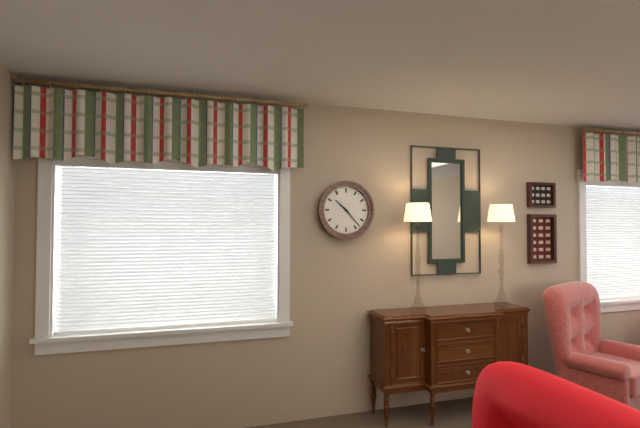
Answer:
10h23
